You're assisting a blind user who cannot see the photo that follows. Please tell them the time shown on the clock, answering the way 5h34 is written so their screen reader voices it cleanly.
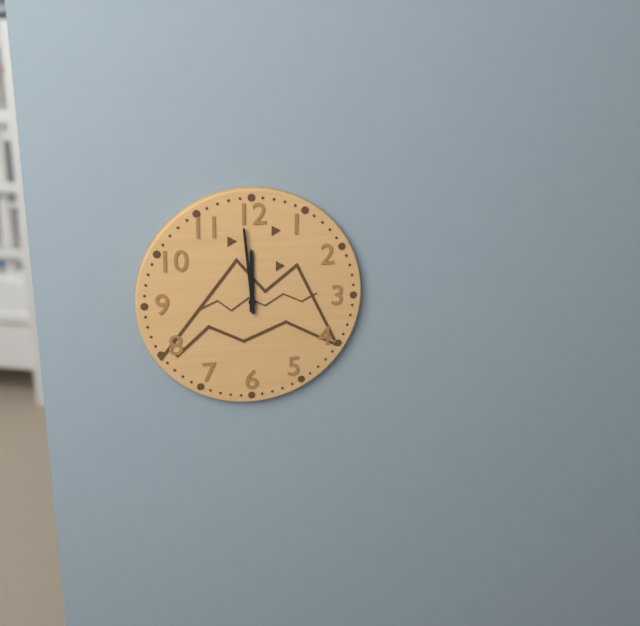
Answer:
11h59
